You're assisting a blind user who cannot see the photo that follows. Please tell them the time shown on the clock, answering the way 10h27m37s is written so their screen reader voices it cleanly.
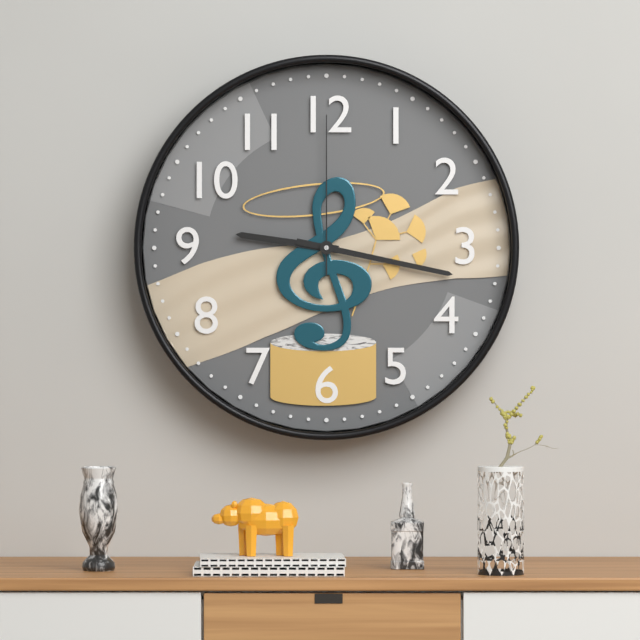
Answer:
9h17m00s
